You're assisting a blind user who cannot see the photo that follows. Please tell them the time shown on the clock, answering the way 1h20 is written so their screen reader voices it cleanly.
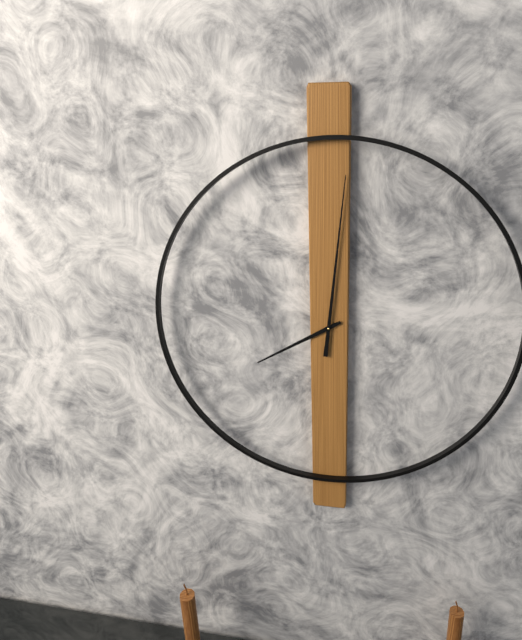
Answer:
8h01
